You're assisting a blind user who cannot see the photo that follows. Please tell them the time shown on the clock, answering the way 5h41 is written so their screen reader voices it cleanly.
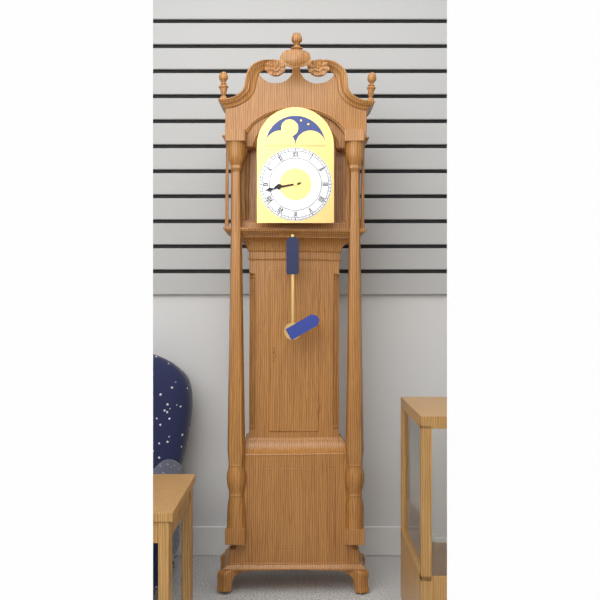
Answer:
8h43
